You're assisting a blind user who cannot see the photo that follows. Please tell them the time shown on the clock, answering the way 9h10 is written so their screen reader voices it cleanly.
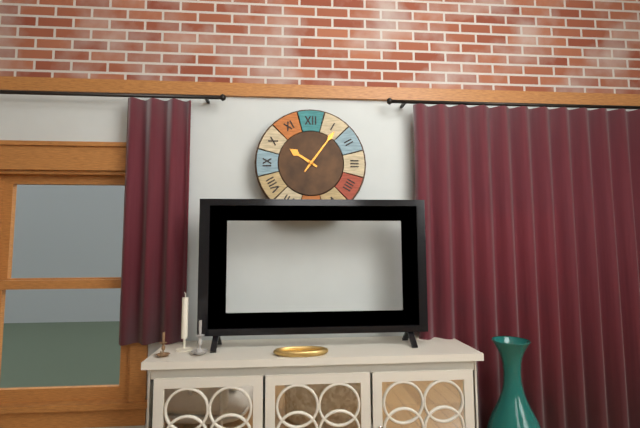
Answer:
10h06
